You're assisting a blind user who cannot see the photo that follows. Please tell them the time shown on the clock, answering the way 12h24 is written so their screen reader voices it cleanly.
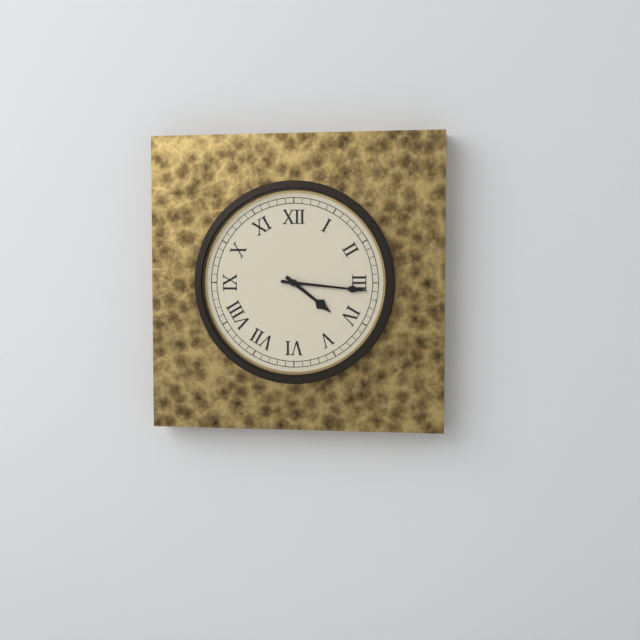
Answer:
4h16
